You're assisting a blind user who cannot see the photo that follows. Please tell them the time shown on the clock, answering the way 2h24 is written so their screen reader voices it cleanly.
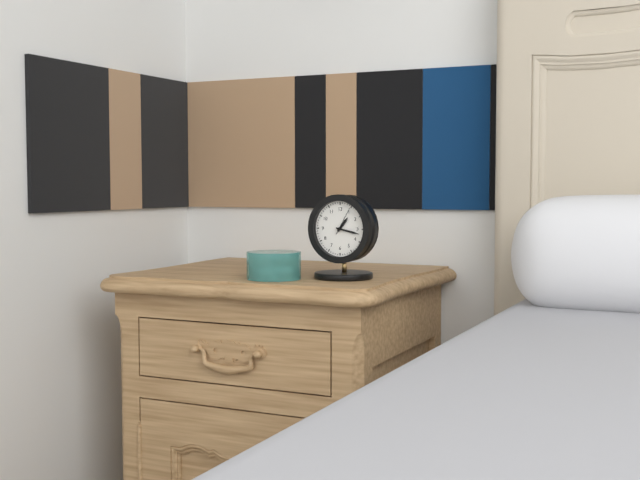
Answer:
1h17
